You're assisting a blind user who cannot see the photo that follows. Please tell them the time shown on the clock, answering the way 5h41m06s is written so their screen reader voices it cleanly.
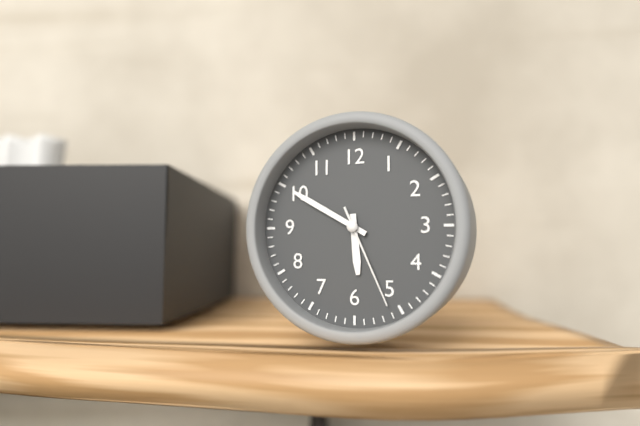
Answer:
5h50m26s
